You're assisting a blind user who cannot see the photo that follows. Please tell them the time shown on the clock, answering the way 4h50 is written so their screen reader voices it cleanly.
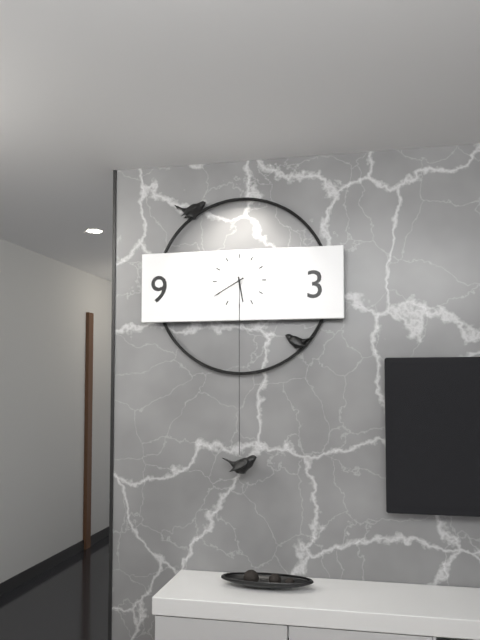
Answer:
5h40
